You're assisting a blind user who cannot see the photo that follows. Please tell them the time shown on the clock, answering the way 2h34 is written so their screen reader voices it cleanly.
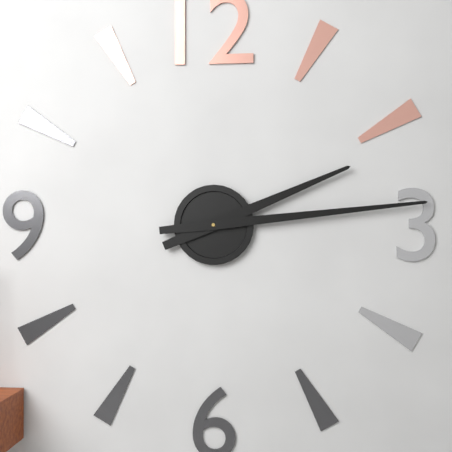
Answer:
2h14
